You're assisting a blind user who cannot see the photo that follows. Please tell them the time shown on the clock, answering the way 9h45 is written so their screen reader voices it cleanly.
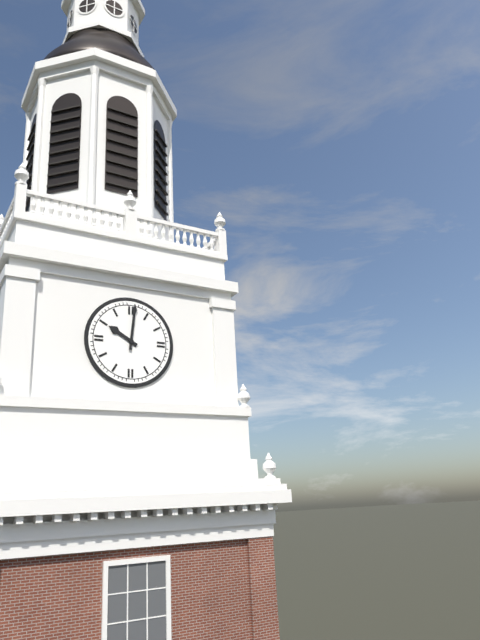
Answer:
10h01
